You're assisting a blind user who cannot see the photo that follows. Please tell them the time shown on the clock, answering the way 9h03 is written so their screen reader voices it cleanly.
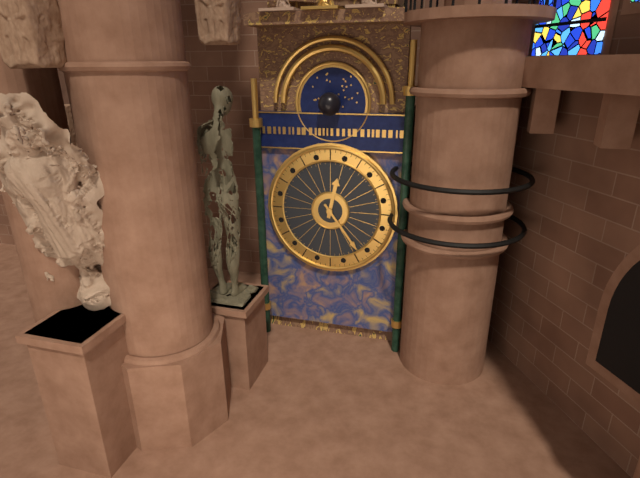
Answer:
12h24
